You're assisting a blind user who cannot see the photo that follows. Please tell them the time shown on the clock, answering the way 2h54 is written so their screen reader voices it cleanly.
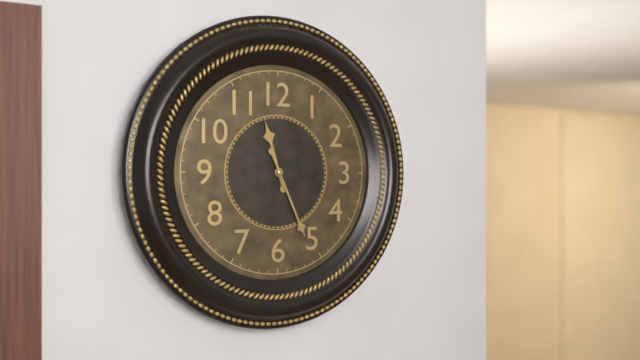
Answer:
11h26
